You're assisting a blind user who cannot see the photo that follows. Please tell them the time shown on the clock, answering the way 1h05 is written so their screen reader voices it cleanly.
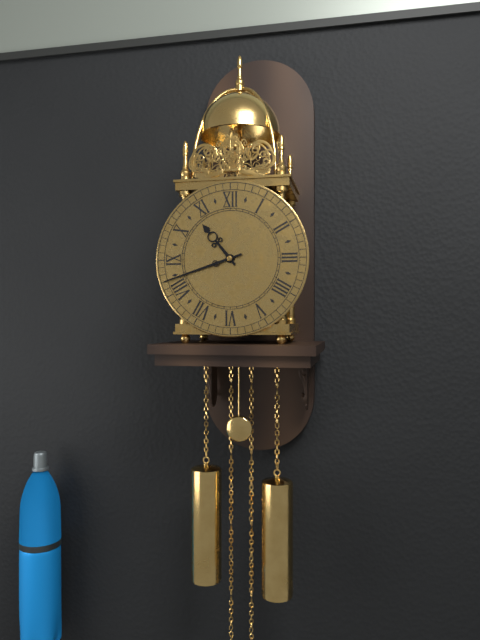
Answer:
10h42
